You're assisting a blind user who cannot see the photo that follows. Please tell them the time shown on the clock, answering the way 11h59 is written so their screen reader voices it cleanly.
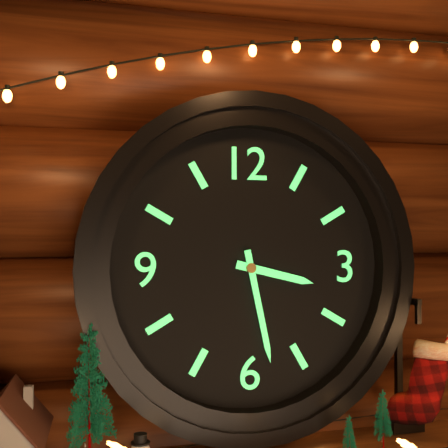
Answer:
3h28
